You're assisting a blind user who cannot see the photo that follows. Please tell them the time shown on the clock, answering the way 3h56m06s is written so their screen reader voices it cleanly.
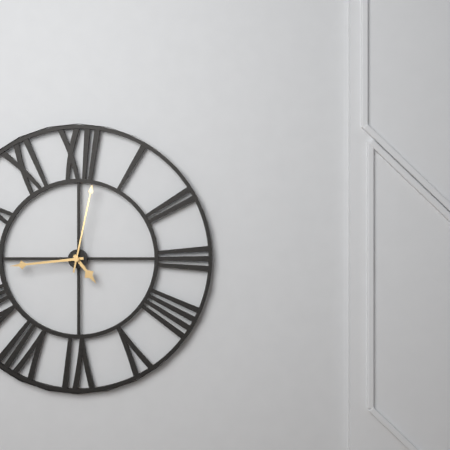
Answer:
4h44m02s
